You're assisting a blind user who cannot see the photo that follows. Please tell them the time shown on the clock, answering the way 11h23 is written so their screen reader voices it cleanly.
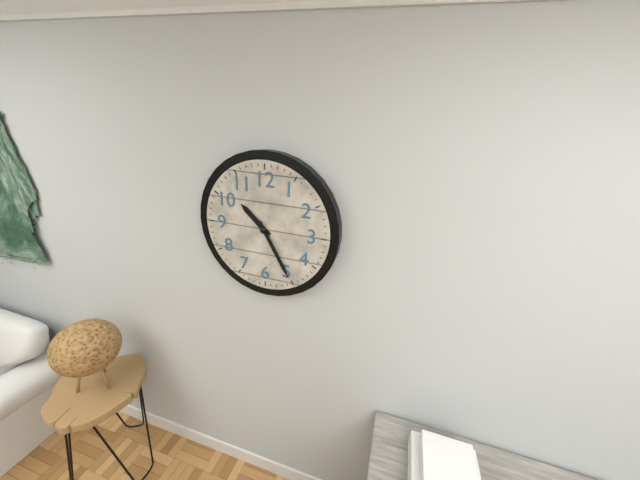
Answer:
10h25
